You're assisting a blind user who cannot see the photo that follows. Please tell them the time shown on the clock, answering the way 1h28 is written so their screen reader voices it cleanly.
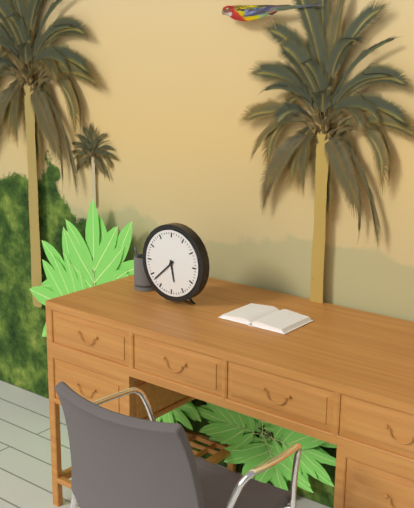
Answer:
5h38
